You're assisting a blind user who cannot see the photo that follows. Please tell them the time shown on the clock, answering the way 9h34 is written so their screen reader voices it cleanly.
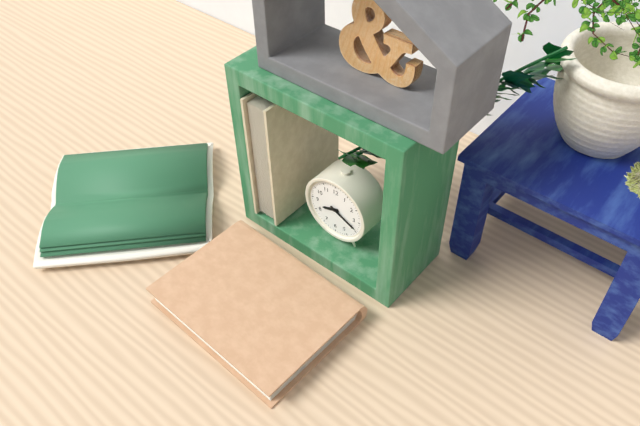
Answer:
8h19
